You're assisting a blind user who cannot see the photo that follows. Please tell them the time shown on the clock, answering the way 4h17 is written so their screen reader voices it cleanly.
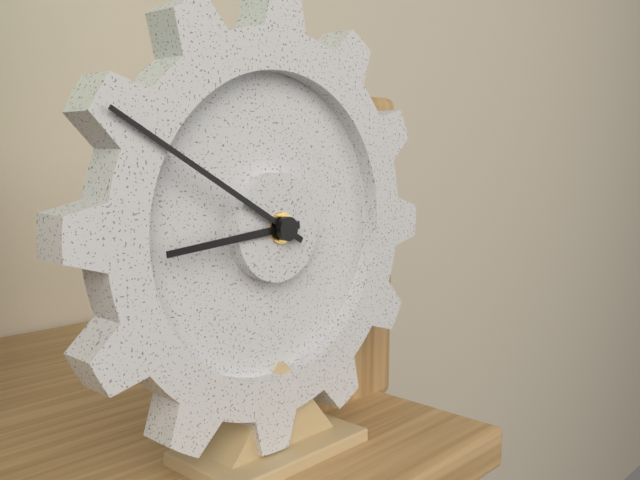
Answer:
8h50
